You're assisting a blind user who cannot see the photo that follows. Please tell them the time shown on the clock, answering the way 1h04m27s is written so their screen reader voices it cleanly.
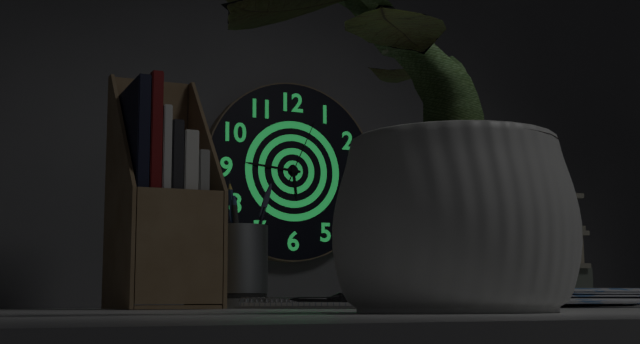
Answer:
5h46m04s
